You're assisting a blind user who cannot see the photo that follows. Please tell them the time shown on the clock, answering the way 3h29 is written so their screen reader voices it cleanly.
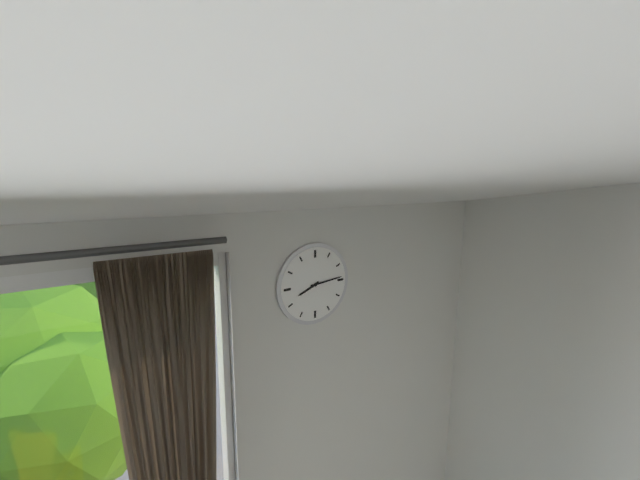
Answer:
8h14
